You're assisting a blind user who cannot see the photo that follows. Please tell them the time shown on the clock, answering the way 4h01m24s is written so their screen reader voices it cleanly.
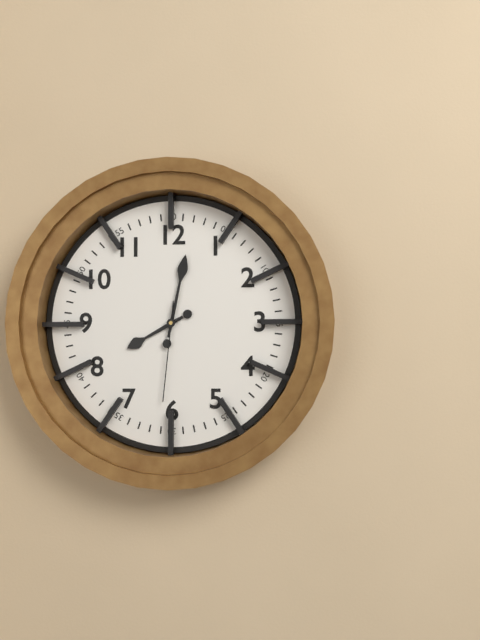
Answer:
8h02m31s
